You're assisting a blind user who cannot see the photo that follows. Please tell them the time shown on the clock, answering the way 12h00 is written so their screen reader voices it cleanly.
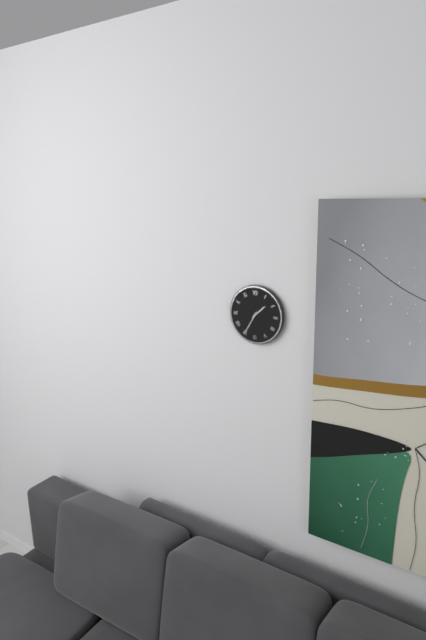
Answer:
1h35
